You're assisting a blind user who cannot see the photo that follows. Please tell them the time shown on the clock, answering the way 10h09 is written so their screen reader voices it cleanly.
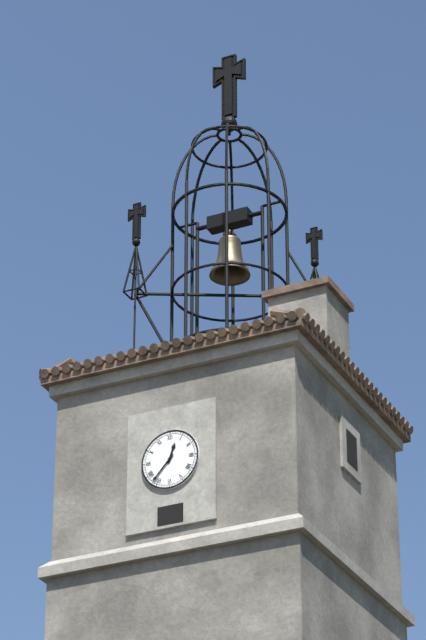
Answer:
12h37
